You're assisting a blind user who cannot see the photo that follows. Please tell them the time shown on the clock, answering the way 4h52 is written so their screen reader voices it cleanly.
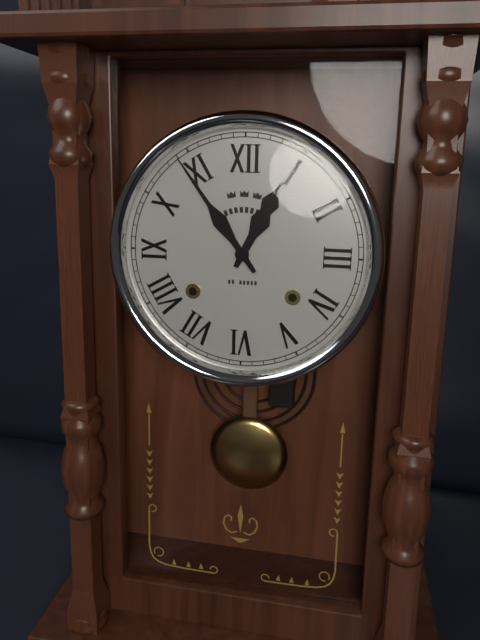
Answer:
12h54
